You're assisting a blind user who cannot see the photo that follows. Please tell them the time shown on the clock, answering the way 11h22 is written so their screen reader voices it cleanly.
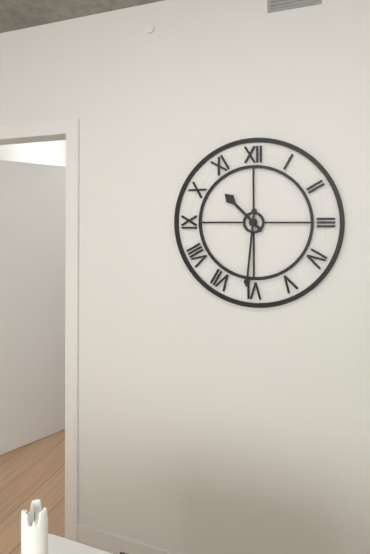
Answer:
10h31
